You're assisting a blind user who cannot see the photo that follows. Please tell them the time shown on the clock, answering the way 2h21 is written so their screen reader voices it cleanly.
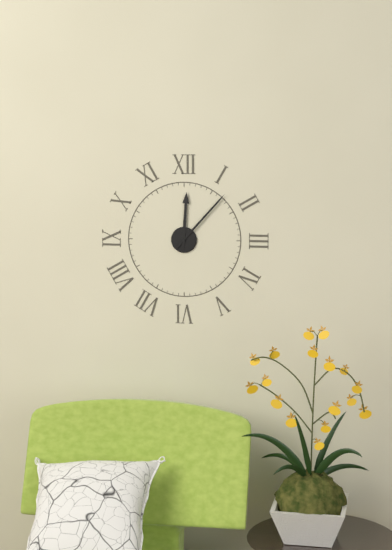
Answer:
12h07
